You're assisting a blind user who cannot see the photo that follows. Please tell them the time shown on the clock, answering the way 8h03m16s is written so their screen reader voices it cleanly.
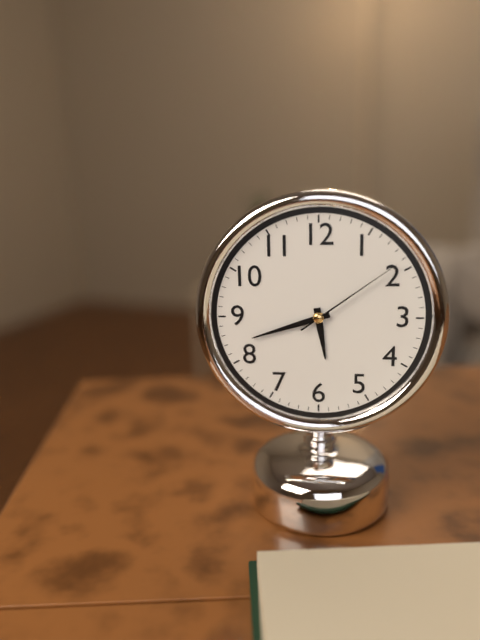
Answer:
5h42m09s
